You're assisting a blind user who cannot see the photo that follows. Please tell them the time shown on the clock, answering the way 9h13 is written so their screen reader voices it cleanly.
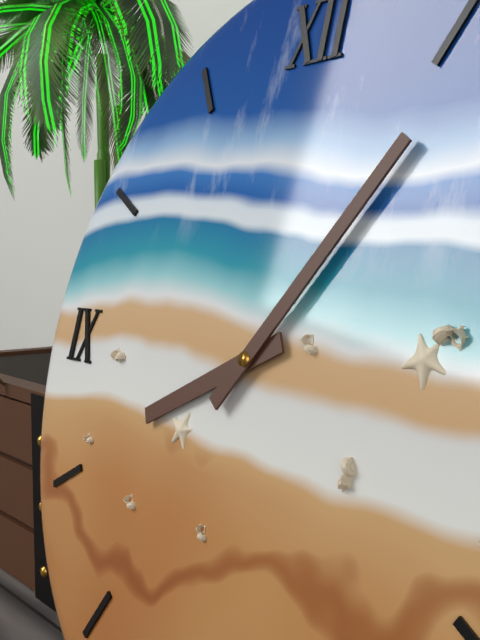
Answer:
8h06
